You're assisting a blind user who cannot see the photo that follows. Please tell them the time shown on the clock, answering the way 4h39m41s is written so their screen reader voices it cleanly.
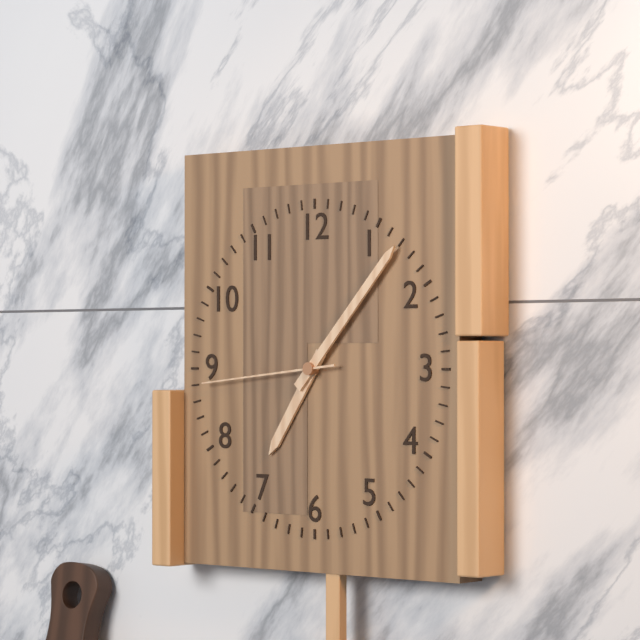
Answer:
7h07m44s
